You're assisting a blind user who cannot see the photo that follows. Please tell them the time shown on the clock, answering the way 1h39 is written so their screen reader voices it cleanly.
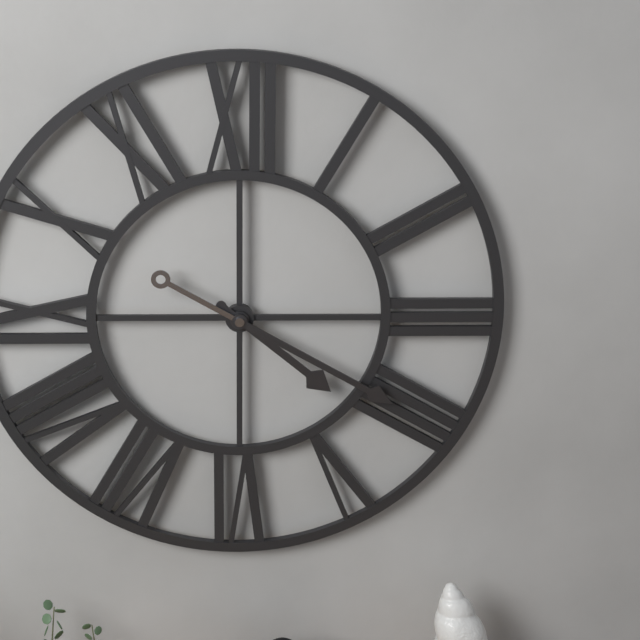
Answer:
4h20
